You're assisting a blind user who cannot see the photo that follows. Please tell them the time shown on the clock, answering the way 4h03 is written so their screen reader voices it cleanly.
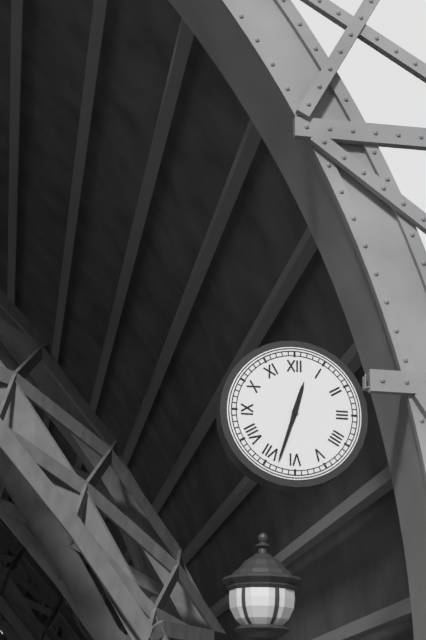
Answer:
12h33
